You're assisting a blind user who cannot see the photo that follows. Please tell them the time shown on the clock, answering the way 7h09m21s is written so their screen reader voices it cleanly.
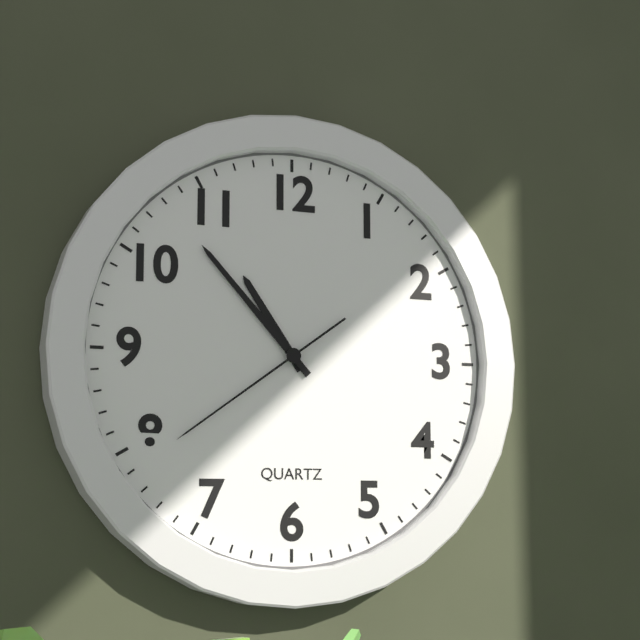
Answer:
10h53m39s
